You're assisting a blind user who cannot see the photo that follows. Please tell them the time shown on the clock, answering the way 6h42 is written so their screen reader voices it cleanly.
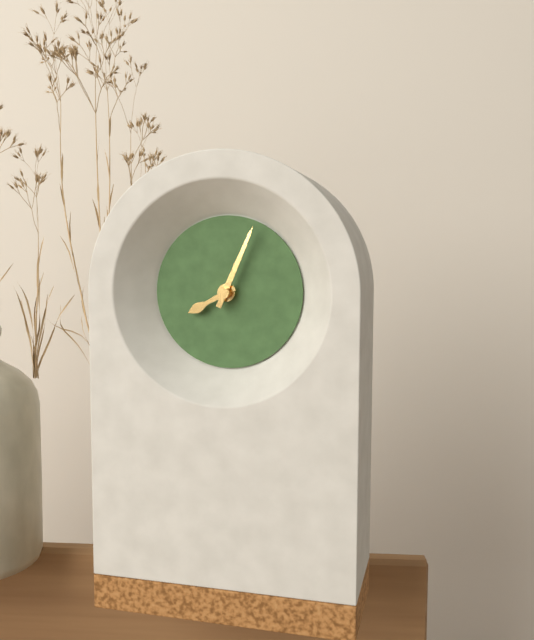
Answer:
8h04
